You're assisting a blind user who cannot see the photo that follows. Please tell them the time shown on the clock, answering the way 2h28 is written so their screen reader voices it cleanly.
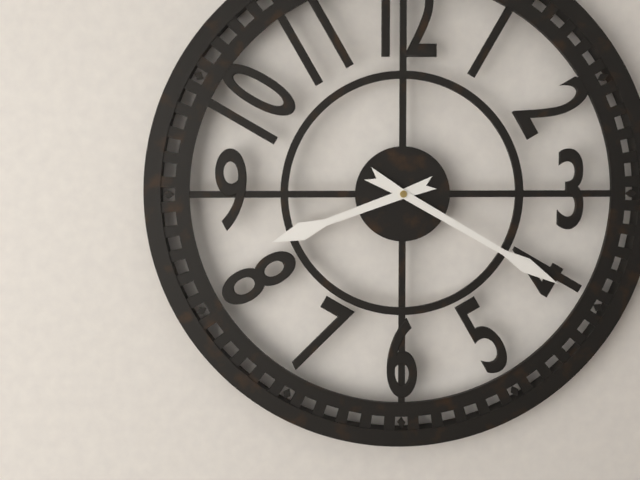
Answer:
8h20
